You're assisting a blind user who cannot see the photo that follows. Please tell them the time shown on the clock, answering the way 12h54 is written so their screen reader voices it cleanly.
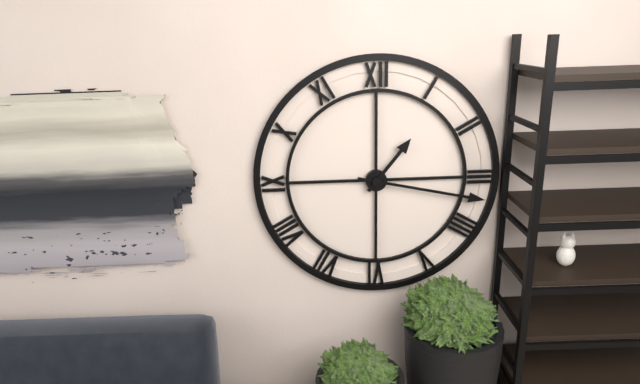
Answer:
1h17
